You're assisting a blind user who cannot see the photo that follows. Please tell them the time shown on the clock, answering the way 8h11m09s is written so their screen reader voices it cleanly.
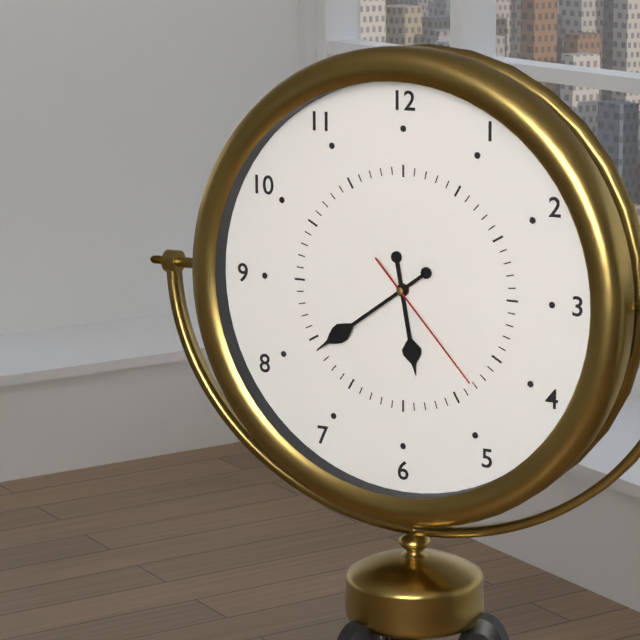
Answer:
5h39m23s
